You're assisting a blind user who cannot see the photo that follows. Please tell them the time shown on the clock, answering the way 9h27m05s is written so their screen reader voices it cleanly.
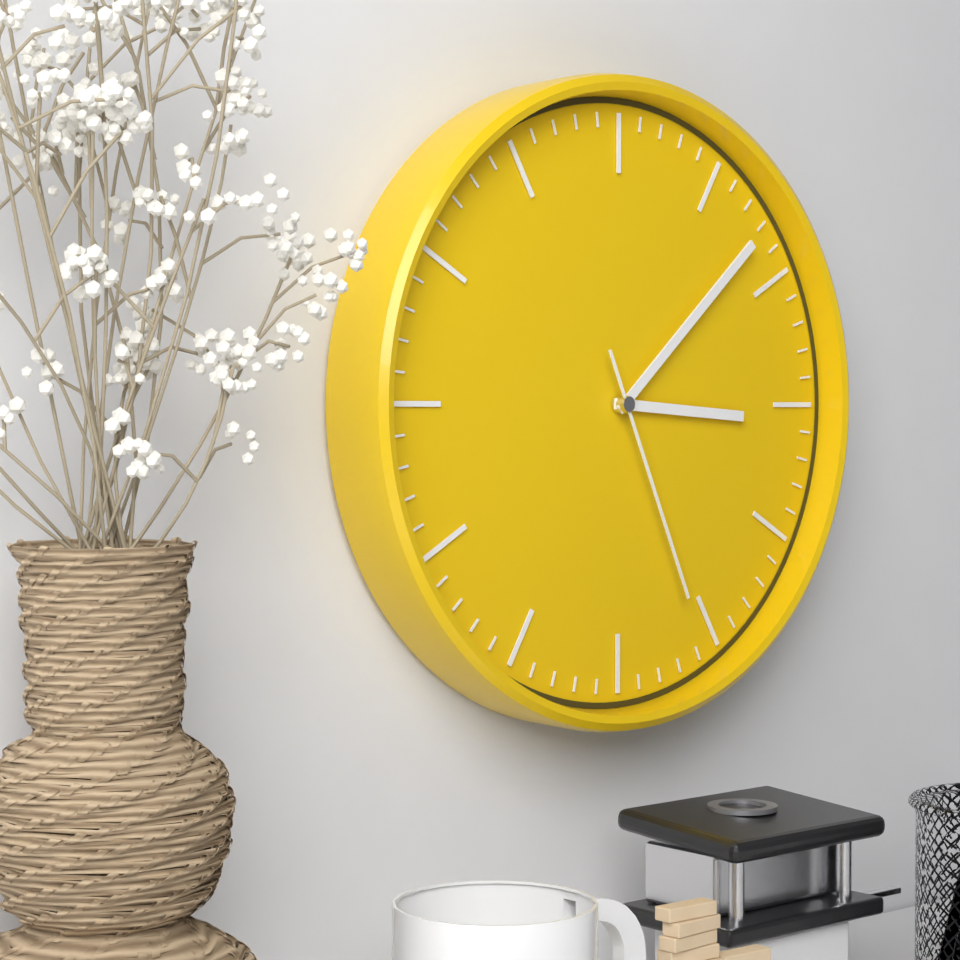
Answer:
3h08m26s
